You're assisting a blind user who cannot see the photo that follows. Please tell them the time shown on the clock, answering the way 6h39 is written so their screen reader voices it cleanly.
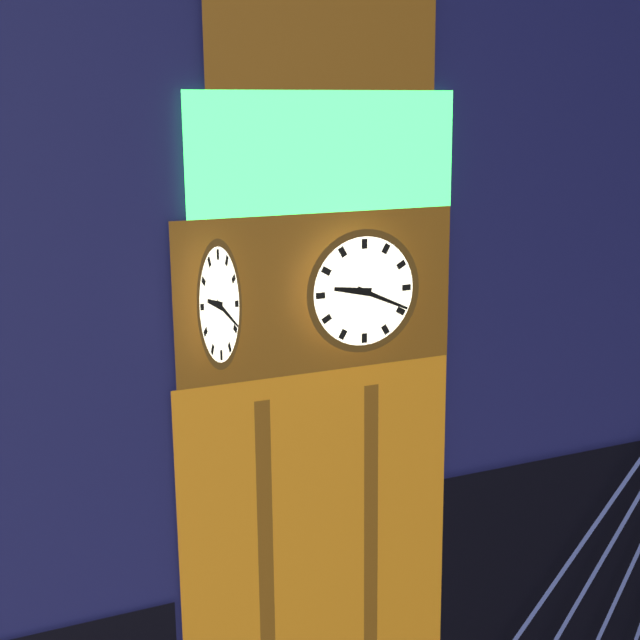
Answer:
9h19
